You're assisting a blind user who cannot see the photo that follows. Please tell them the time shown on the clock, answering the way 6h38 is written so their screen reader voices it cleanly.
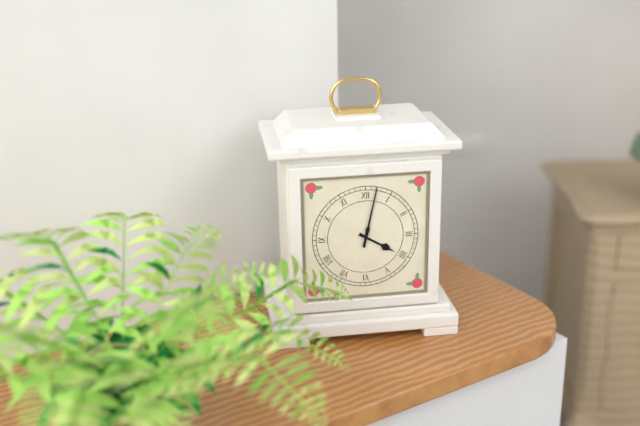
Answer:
4h02
